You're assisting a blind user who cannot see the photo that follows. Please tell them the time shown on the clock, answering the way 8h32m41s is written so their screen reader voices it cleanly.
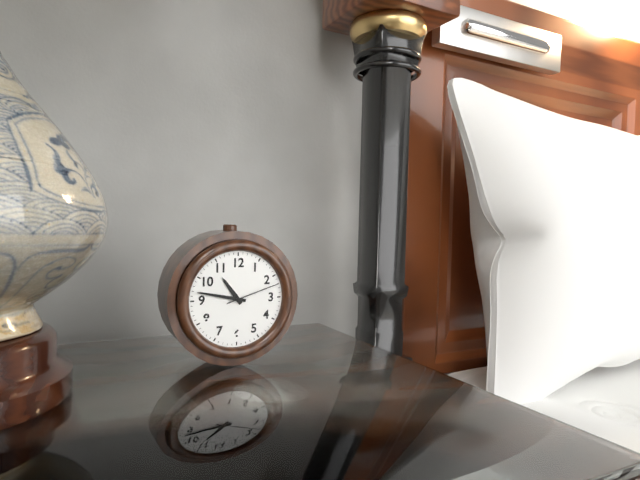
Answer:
10h47m12s
